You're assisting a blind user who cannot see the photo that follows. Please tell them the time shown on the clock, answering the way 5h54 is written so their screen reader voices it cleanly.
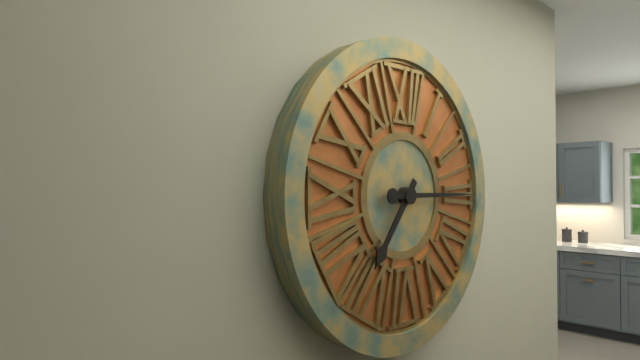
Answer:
7h15
